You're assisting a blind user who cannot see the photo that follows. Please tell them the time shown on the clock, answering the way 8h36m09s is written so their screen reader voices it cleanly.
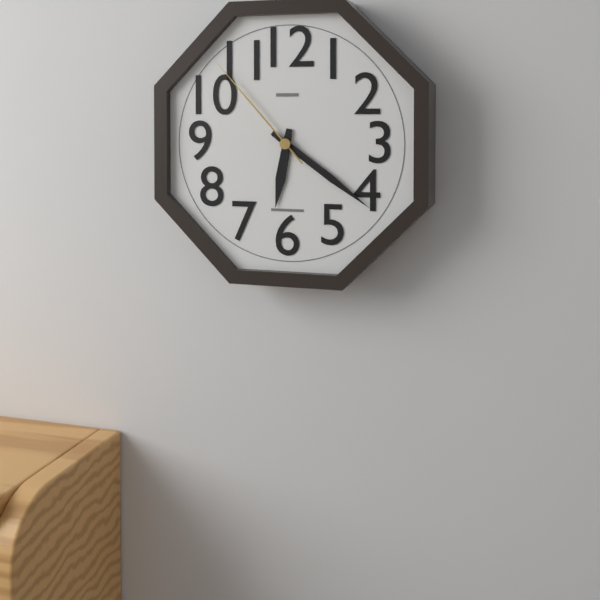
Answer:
6h21m53s
